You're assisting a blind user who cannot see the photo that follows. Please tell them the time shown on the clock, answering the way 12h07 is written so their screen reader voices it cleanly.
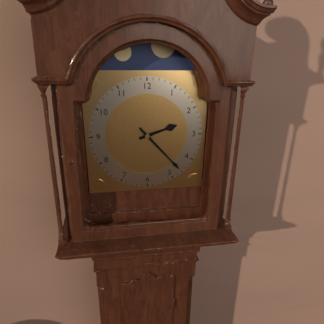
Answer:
2h23
